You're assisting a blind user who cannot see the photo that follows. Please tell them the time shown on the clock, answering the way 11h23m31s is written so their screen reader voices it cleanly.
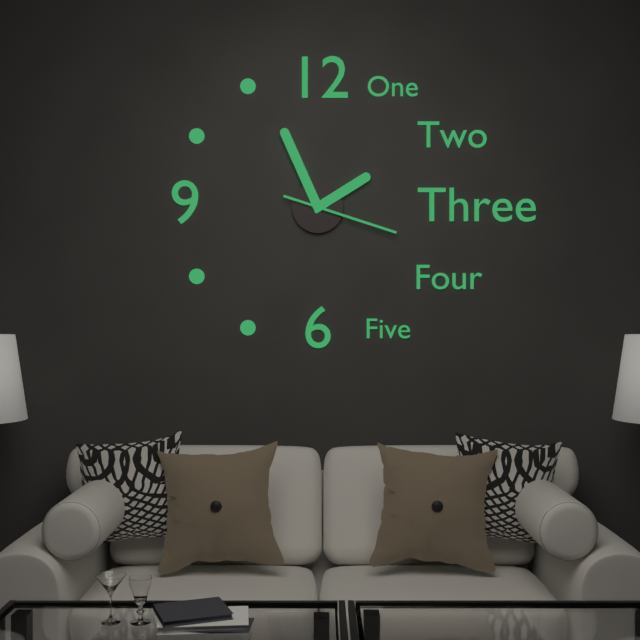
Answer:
1h56m18s
